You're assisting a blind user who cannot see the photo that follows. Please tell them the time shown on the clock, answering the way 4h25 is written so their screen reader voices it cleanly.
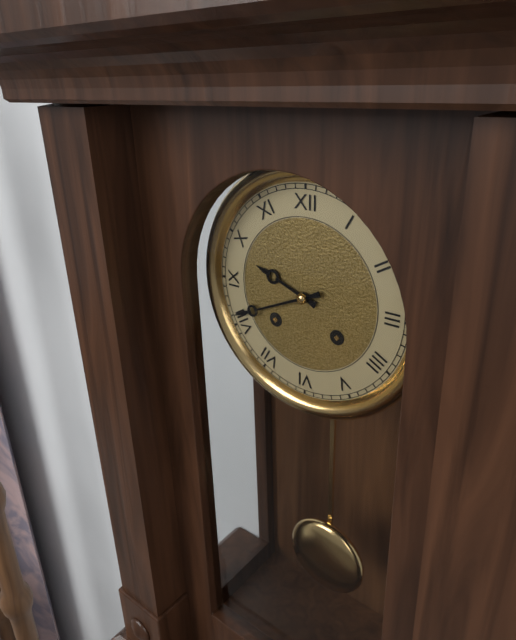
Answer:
9h41
